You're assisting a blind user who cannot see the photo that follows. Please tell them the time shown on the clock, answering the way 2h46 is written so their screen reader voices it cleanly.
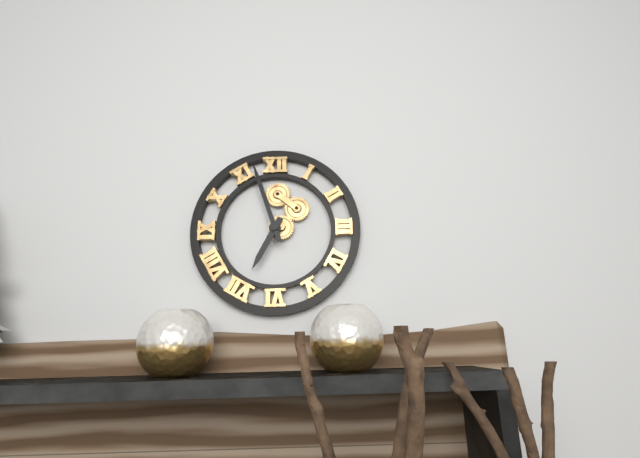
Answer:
6h57
